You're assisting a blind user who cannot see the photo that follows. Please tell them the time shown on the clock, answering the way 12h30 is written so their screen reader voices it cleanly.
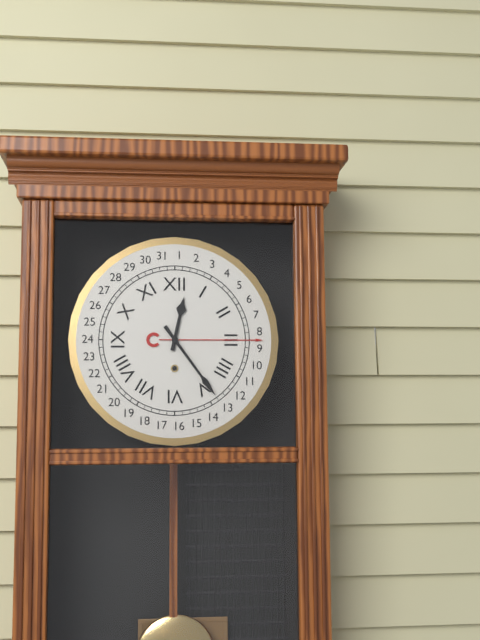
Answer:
12h24
